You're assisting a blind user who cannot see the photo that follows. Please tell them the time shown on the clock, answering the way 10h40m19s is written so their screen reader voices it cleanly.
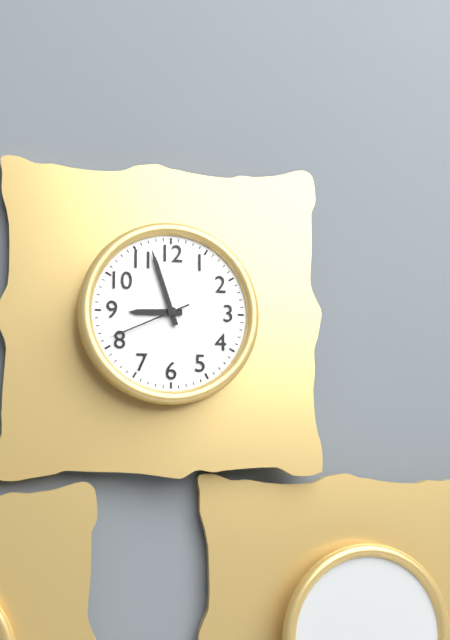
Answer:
8h57m41s
